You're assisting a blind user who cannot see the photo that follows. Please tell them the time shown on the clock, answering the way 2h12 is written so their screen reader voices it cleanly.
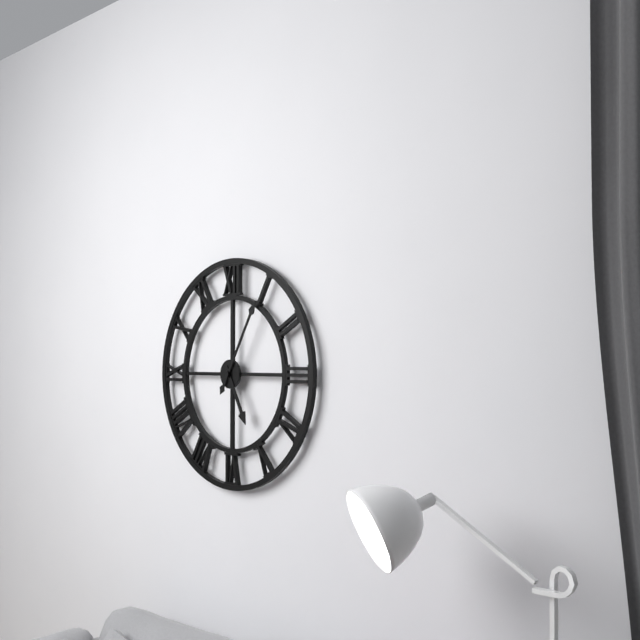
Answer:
5h05
